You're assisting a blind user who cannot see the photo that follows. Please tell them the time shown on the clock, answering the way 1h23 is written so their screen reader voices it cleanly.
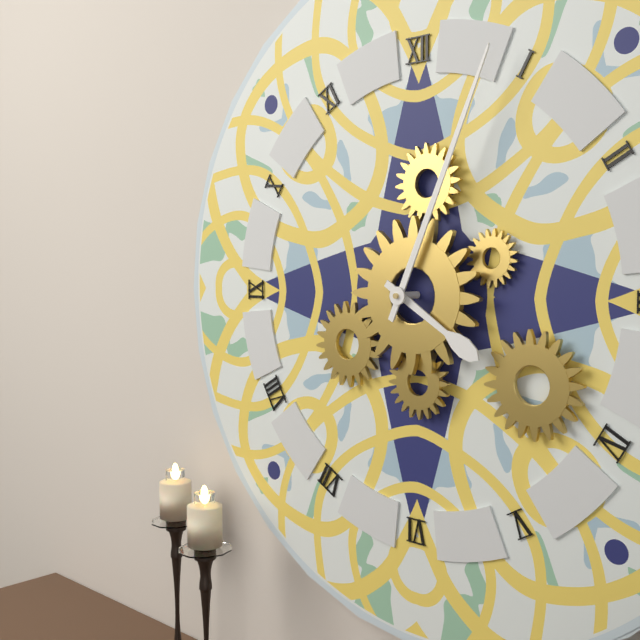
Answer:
4h04
